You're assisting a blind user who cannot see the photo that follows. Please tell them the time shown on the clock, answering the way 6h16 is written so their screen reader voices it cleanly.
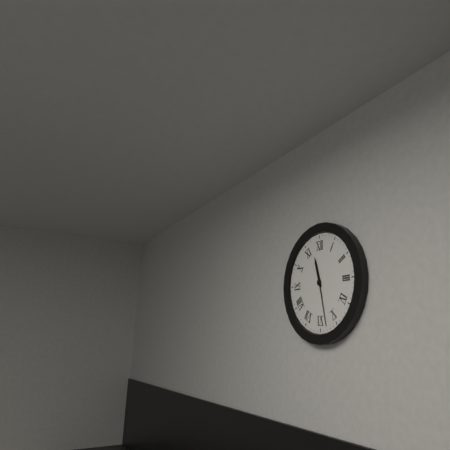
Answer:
11h28
